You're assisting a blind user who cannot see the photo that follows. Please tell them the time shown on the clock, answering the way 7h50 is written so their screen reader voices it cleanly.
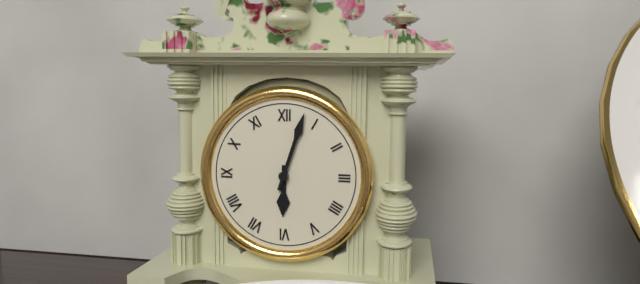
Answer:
6h03
